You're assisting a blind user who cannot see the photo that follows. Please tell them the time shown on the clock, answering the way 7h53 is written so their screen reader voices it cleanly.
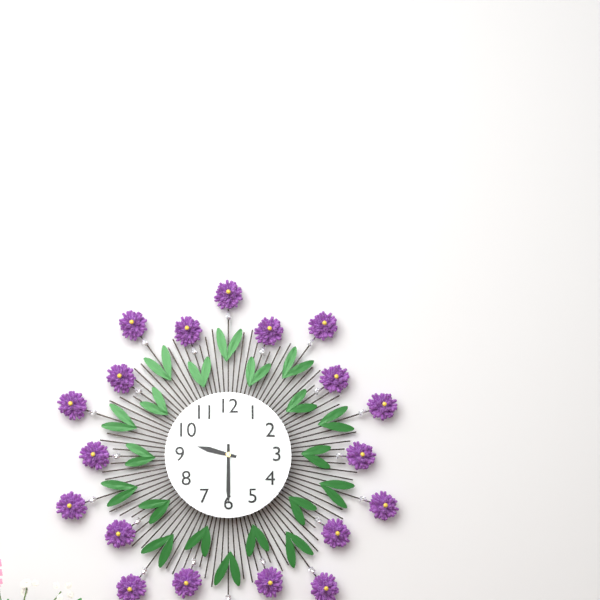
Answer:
9h30
